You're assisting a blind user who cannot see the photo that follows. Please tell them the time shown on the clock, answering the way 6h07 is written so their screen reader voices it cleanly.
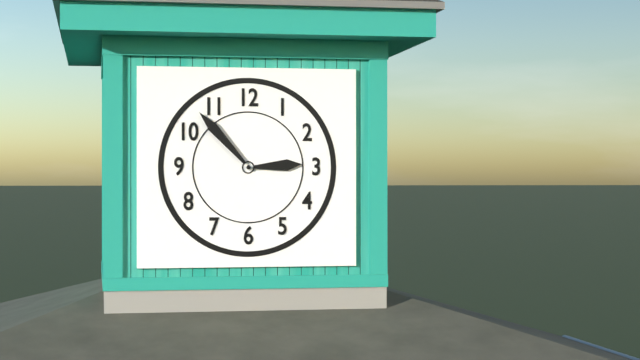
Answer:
2h53
